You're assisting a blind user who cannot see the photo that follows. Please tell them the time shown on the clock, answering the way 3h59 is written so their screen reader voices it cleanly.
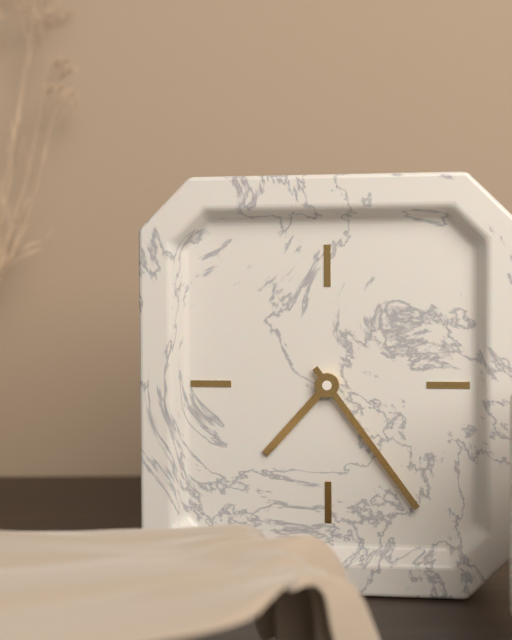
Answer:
7h24
